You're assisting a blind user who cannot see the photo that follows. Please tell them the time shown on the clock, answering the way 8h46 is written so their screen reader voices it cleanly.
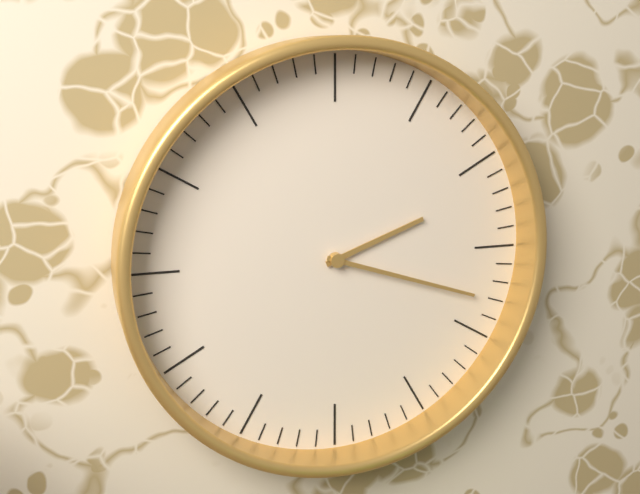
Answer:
2h18
